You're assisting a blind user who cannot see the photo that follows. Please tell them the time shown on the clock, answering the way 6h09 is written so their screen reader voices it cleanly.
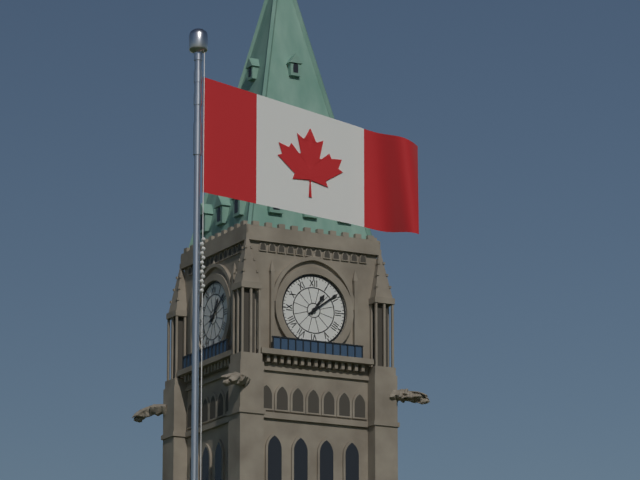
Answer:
1h09
